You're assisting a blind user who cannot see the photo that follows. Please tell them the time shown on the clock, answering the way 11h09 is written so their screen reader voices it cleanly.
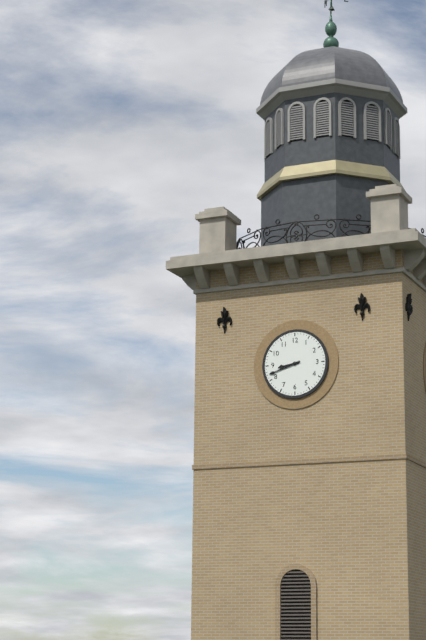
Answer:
8h42
